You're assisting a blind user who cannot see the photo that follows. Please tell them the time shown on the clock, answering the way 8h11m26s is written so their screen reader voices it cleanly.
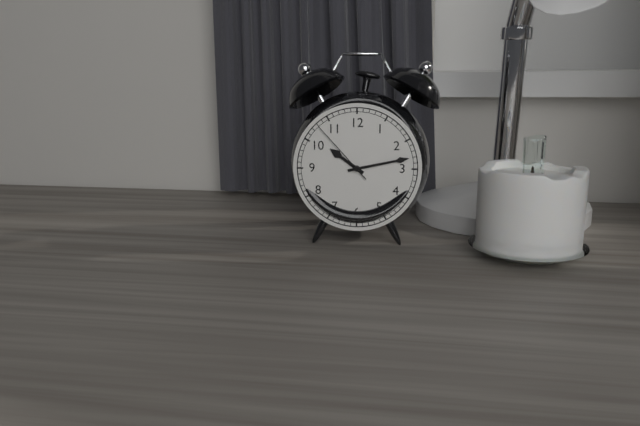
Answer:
10h13m53s
